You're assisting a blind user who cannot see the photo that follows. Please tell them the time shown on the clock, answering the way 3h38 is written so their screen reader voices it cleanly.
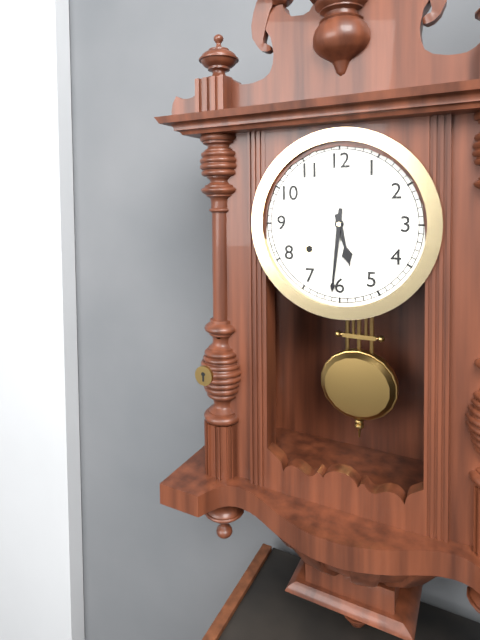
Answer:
5h31
